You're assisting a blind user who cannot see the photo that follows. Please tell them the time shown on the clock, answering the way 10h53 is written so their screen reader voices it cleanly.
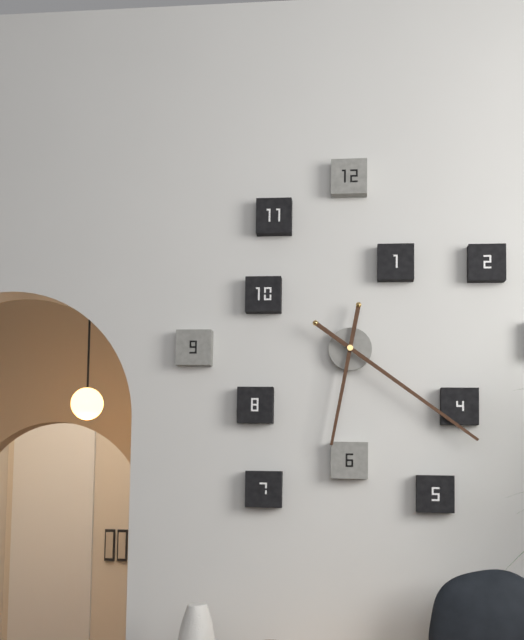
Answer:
6h21
